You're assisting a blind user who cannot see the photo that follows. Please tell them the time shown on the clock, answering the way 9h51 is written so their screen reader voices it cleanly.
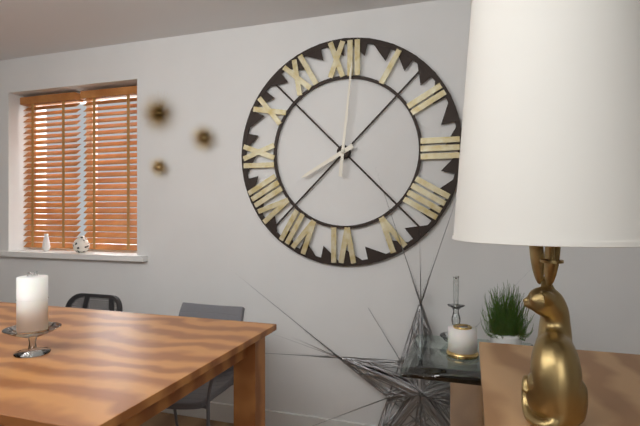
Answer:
8h01
